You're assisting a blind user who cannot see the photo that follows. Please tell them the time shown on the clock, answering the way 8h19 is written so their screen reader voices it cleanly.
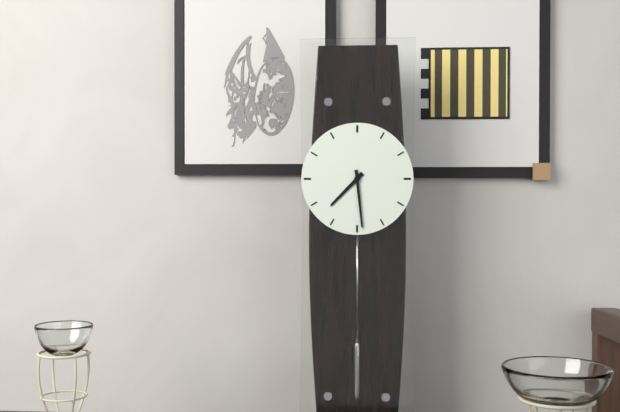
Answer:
7h29
